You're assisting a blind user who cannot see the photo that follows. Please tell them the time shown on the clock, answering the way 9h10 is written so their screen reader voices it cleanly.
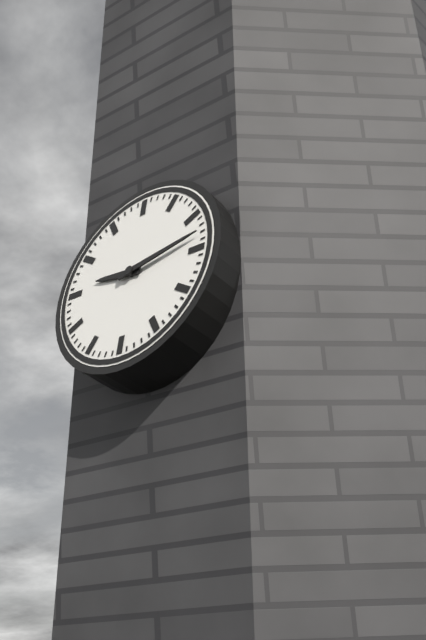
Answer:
9h13
